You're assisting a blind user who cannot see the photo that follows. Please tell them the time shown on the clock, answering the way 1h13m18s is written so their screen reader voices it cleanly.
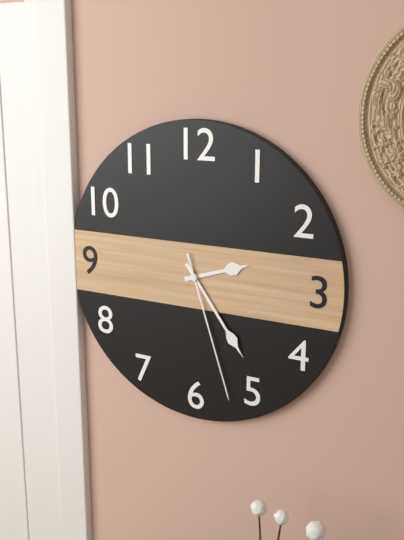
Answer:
2h24m27s
